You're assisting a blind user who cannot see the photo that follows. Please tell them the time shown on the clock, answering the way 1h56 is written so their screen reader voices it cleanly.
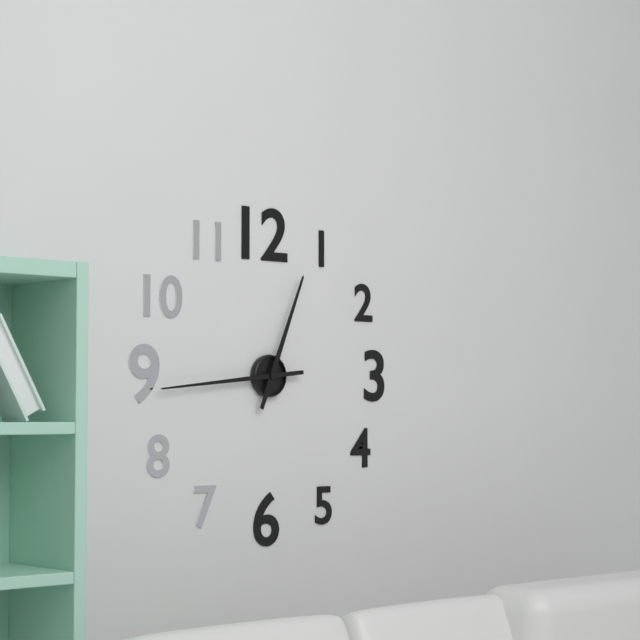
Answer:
12h44
